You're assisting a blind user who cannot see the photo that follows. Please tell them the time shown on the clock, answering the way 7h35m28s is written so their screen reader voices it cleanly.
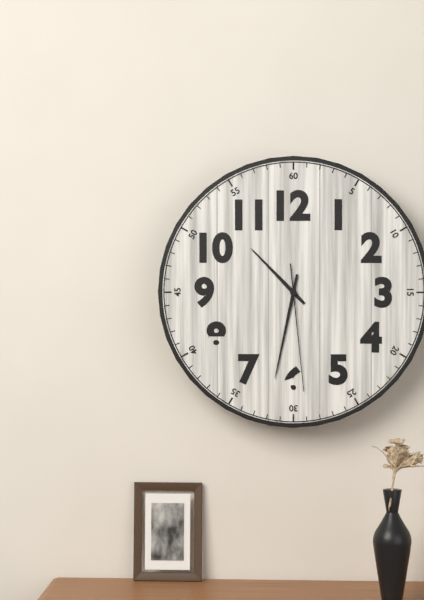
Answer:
10h32m29s
